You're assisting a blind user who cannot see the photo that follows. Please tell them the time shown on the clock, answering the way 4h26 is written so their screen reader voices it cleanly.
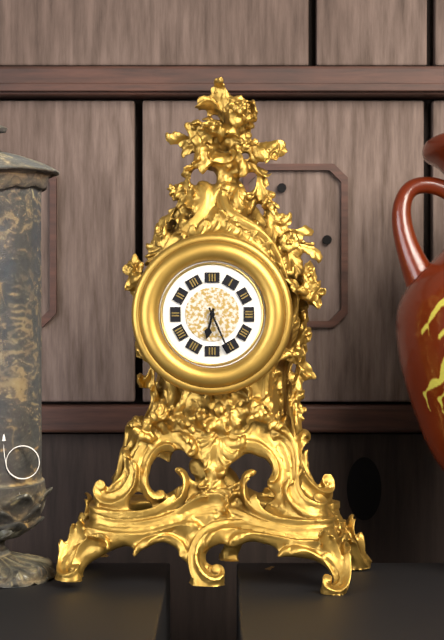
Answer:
6h26
